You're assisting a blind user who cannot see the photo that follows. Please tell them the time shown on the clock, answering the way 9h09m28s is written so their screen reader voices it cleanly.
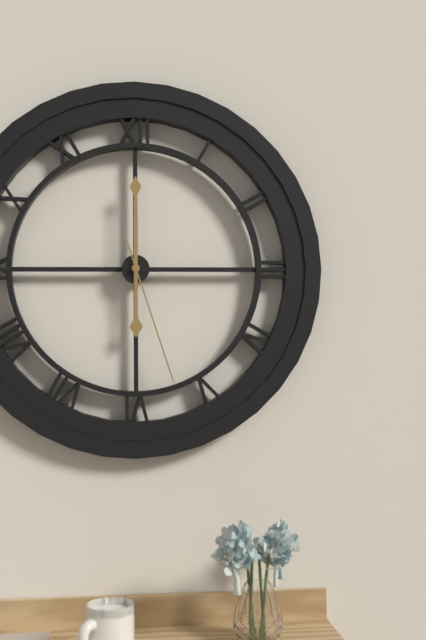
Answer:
6h00m27s
